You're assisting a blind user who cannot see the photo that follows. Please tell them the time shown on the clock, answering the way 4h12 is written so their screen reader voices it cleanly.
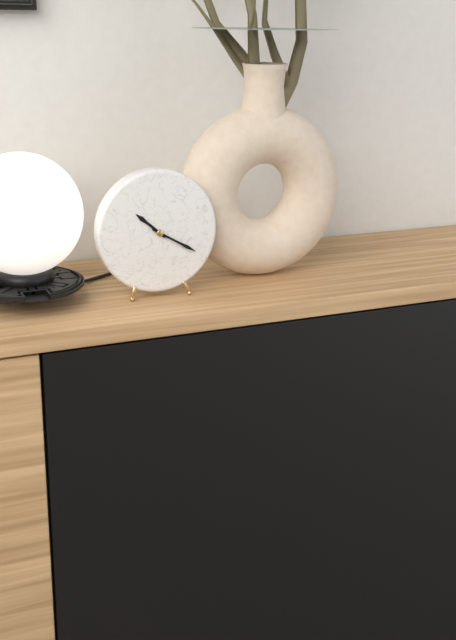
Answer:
10h20
